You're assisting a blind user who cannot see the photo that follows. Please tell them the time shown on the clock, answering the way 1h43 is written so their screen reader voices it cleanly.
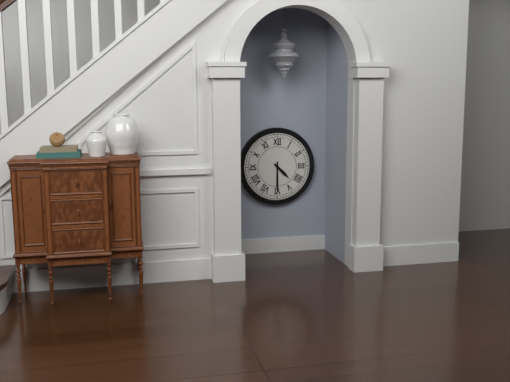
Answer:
4h30
